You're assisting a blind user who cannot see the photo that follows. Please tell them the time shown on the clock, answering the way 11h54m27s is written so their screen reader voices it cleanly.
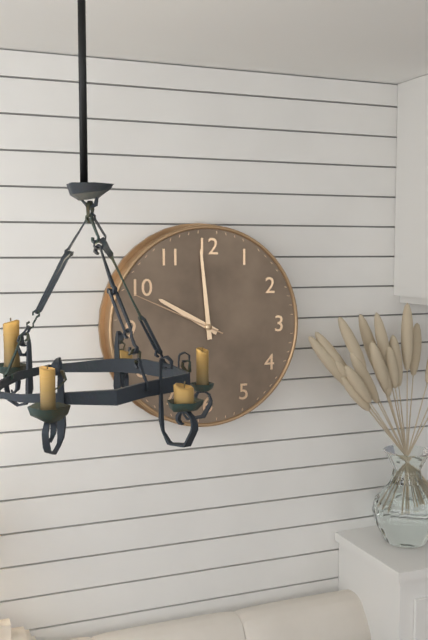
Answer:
9h59m49s
